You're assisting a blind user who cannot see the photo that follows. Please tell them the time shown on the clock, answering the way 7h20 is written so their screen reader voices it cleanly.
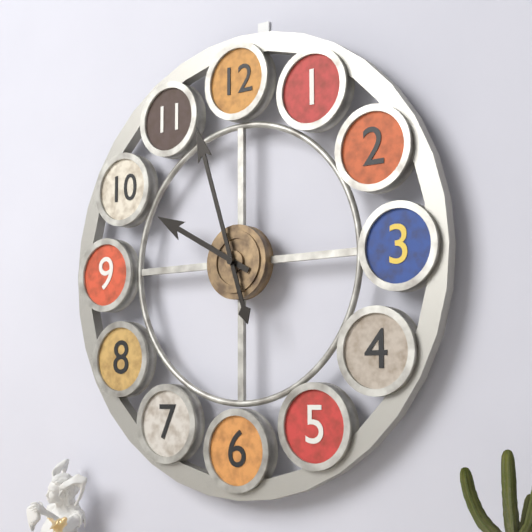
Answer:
9h57
